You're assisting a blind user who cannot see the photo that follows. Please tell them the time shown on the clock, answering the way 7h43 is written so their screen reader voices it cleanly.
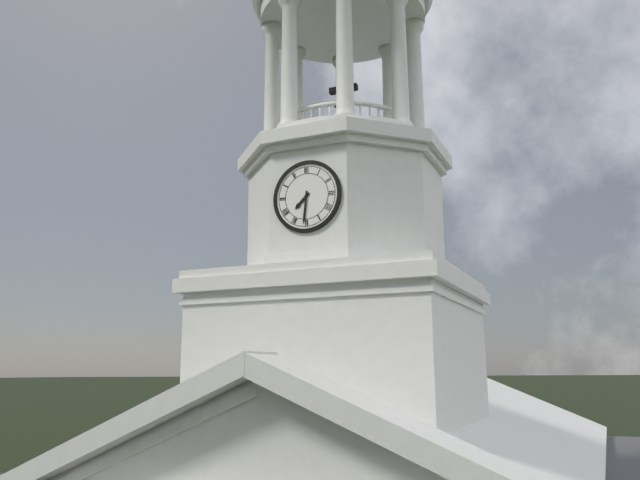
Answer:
7h31
